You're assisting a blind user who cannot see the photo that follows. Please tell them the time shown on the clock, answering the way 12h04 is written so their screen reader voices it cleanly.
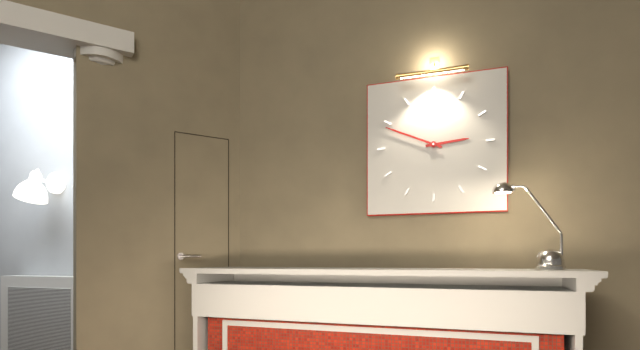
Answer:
2h49
